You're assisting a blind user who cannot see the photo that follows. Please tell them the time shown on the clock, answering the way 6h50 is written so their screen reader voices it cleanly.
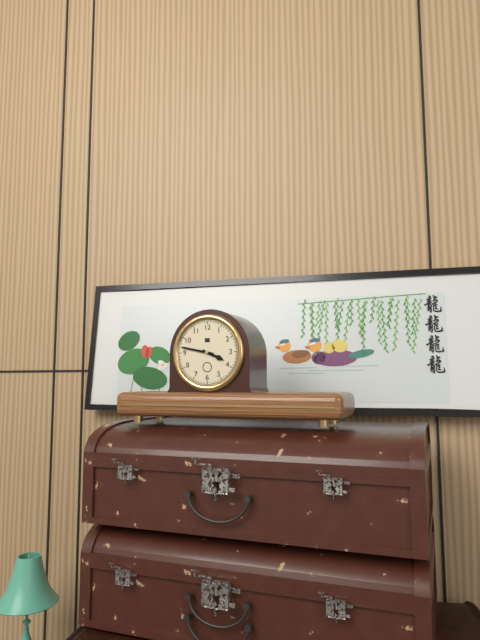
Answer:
3h47
